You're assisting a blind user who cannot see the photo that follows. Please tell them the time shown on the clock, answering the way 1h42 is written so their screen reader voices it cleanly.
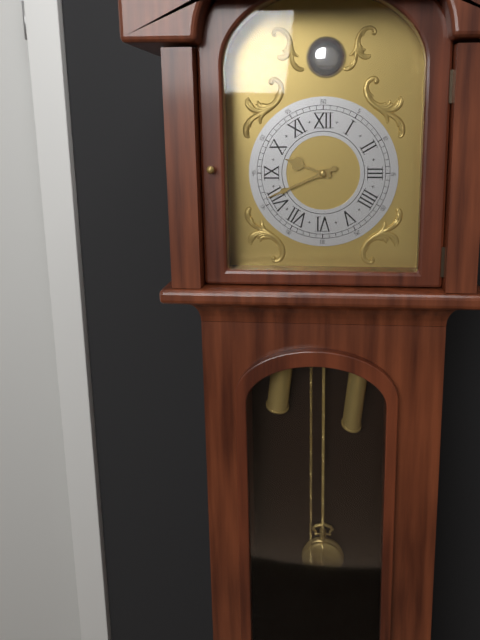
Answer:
9h41
